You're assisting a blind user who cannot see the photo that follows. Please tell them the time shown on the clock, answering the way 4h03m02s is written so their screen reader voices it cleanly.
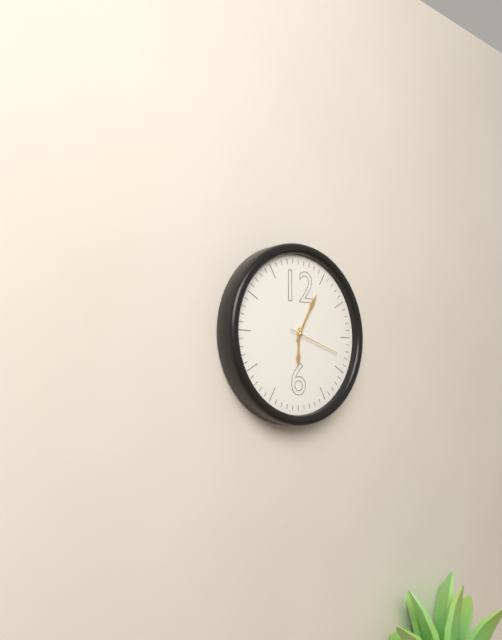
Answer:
6h05m18s
